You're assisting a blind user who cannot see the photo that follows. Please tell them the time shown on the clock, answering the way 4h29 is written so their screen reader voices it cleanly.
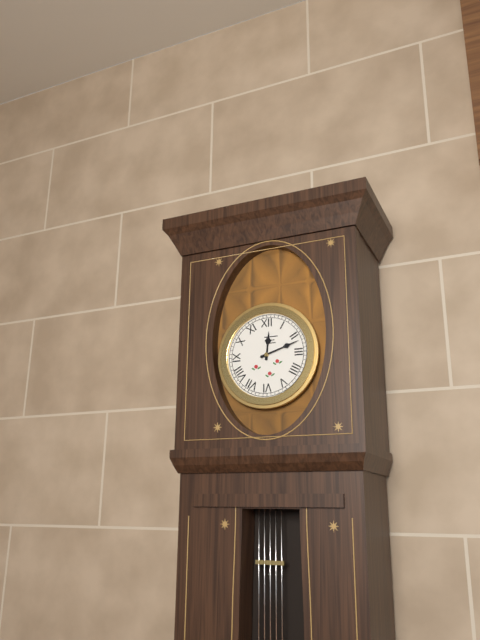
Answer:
12h12
